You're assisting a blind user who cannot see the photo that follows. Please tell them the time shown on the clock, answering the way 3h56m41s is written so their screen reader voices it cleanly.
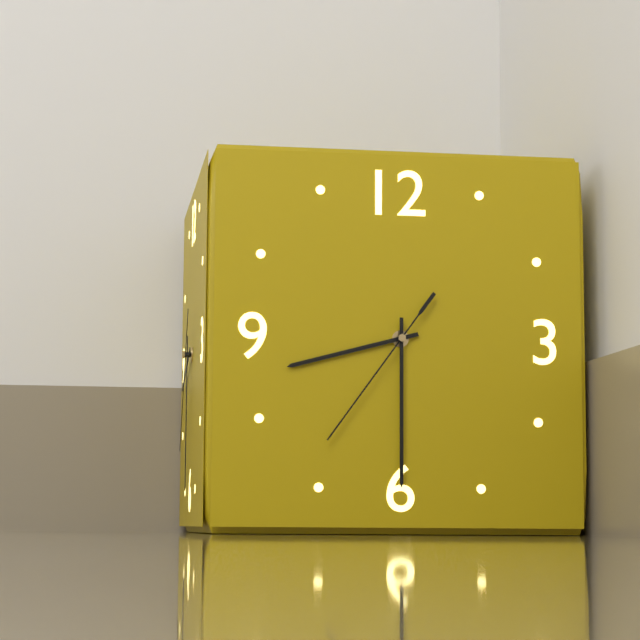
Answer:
8h30m36s
